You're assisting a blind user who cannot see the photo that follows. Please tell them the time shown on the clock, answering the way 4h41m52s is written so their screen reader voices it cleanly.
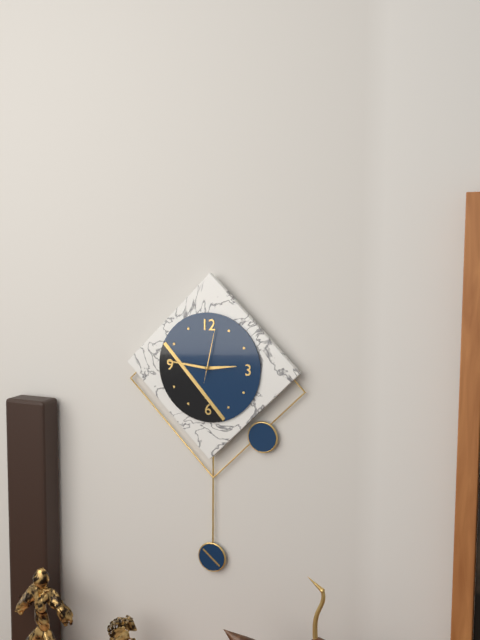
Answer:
2h46m02s
